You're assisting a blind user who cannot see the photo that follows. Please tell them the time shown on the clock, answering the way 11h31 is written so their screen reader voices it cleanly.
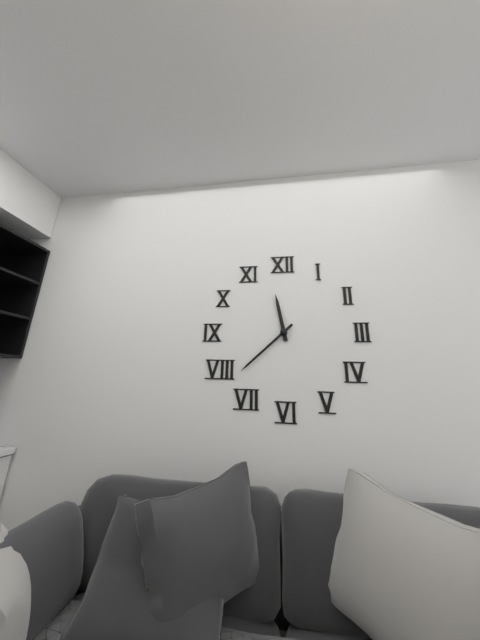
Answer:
11h38
